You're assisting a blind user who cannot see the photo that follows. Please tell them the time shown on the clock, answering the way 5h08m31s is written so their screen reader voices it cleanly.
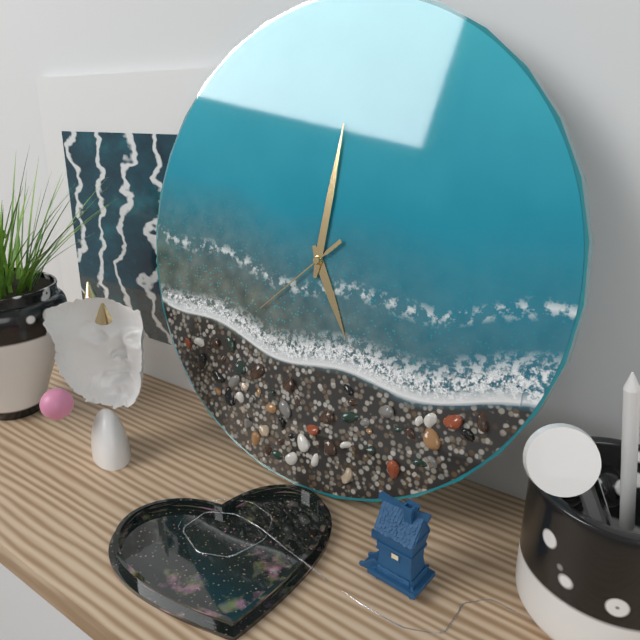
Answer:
5h01m38s
